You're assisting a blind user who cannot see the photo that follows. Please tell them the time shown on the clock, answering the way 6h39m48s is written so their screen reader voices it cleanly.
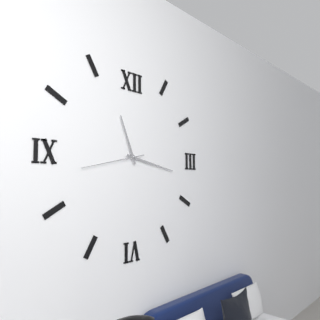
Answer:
11h17m43s
